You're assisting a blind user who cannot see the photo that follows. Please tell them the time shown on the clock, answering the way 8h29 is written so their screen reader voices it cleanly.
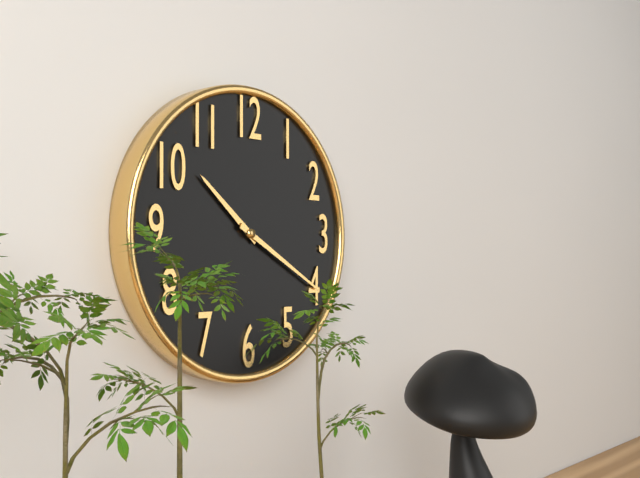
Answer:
10h20
